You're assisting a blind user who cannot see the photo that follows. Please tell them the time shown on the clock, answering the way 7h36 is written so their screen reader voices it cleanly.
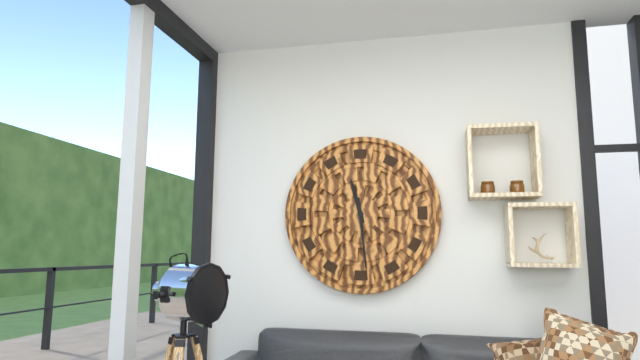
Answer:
11h29
